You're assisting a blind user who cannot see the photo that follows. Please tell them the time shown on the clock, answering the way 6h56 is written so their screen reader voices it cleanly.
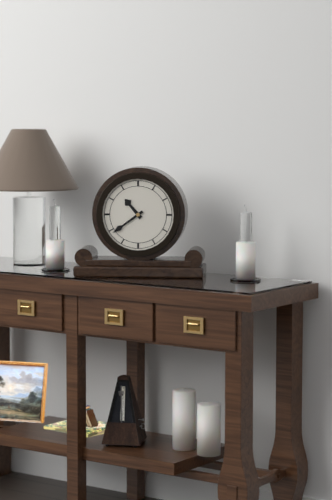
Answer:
10h39
